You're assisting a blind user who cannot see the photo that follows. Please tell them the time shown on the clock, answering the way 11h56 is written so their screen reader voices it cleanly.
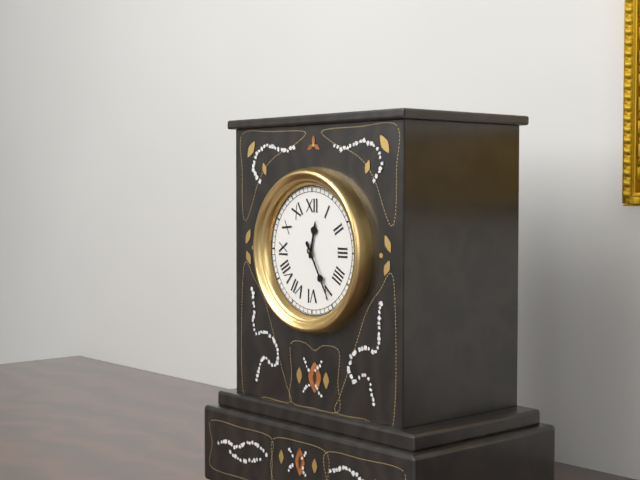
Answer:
12h25
